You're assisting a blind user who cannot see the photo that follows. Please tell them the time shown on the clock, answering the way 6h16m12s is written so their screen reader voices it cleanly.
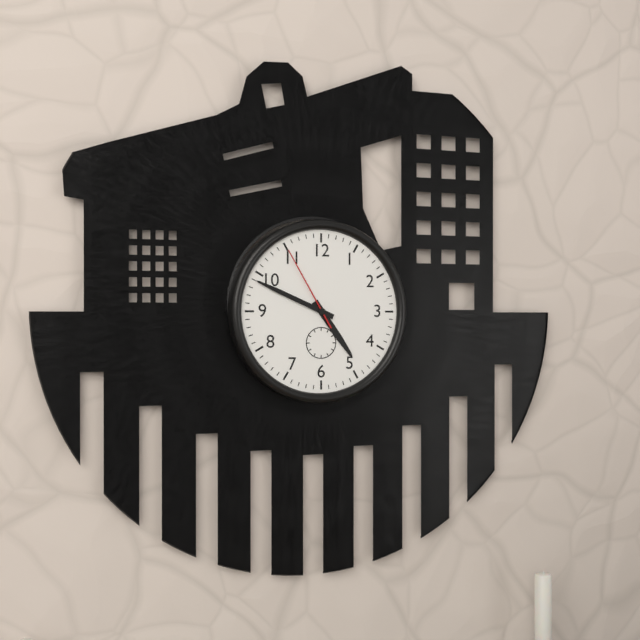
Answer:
4h49m55s
